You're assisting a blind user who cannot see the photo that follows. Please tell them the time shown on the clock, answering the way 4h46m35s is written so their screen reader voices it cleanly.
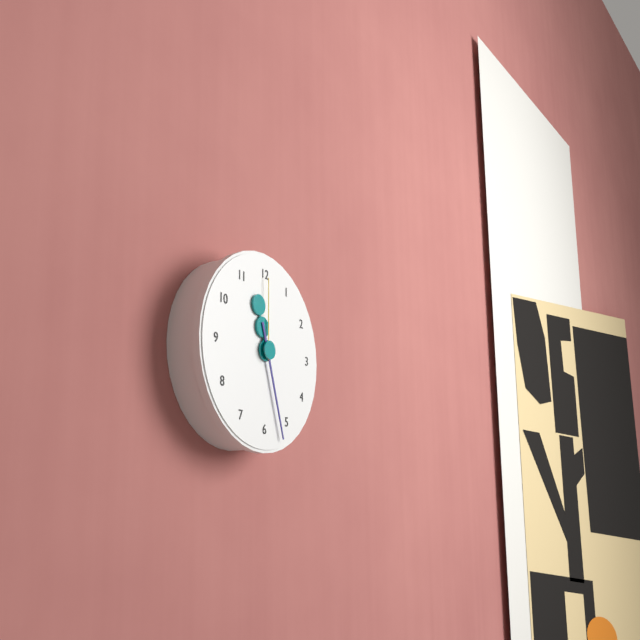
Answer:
11h27m00s
